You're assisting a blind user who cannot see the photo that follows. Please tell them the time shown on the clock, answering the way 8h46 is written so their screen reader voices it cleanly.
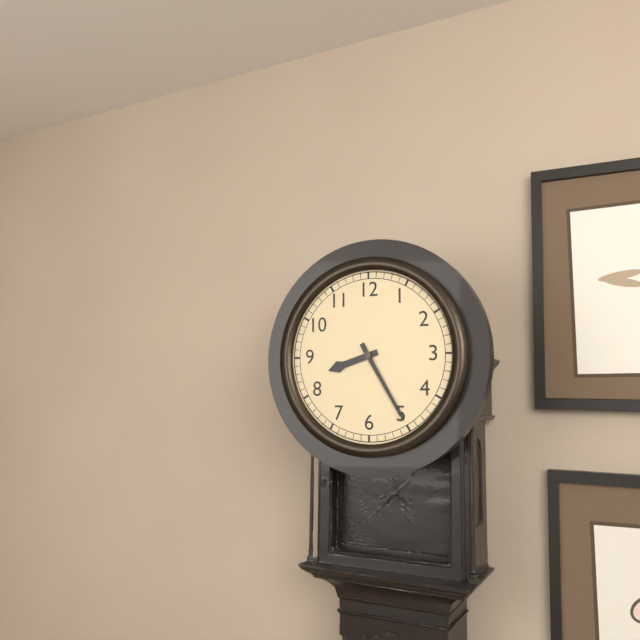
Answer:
8h25
